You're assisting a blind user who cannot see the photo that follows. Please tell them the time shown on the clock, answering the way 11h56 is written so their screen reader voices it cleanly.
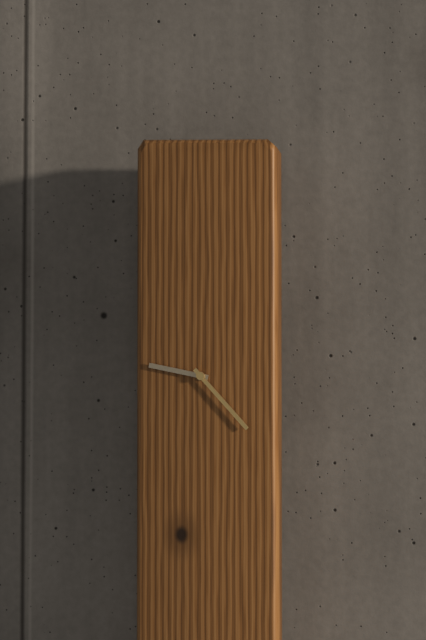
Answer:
9h23
